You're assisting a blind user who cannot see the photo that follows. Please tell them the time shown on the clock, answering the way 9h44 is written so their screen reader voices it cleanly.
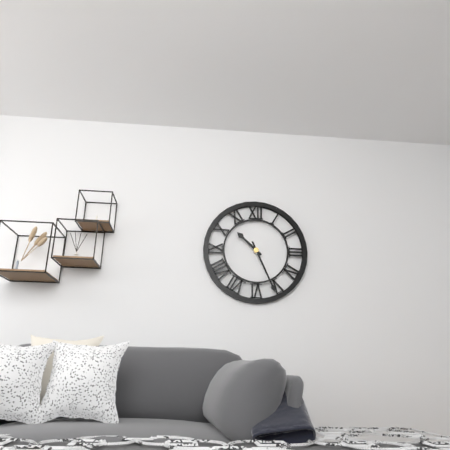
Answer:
10h26
